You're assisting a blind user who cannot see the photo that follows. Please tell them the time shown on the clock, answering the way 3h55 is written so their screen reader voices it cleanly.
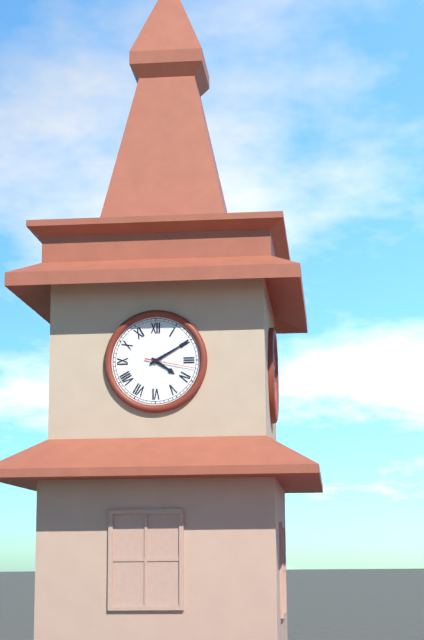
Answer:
4h10
